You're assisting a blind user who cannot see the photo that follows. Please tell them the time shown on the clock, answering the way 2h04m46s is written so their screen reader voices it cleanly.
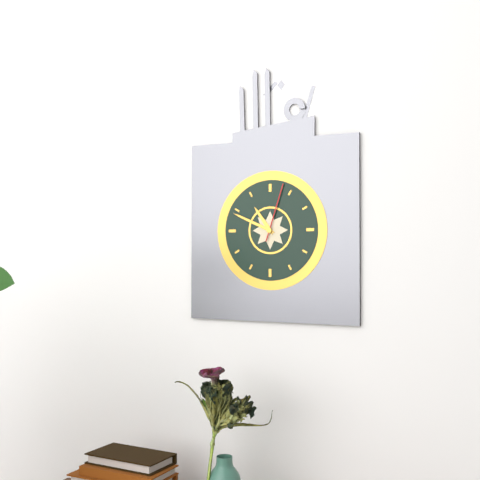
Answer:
10h49m03s
